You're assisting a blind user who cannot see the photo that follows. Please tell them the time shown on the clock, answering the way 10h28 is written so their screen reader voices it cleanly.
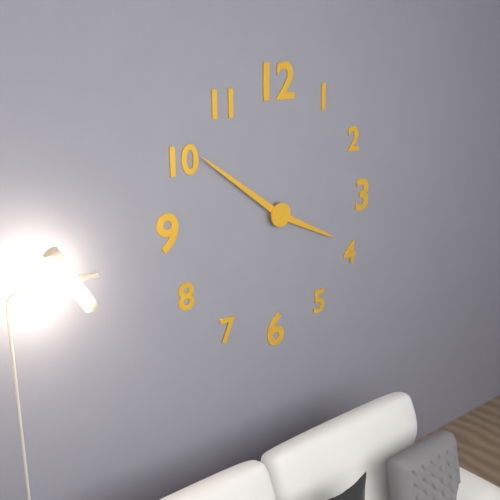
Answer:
3h51
